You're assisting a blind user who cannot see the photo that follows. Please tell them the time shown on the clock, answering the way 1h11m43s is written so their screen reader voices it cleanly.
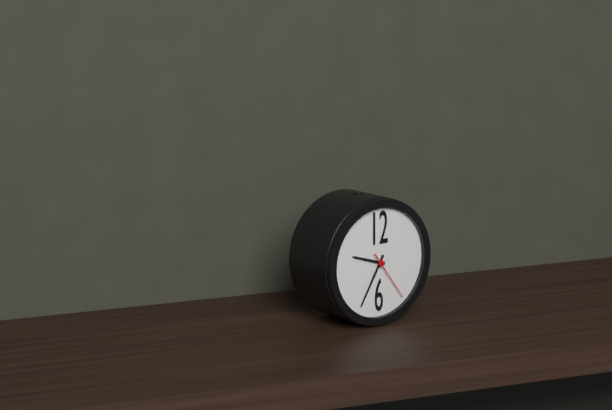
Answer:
9h35m24s
